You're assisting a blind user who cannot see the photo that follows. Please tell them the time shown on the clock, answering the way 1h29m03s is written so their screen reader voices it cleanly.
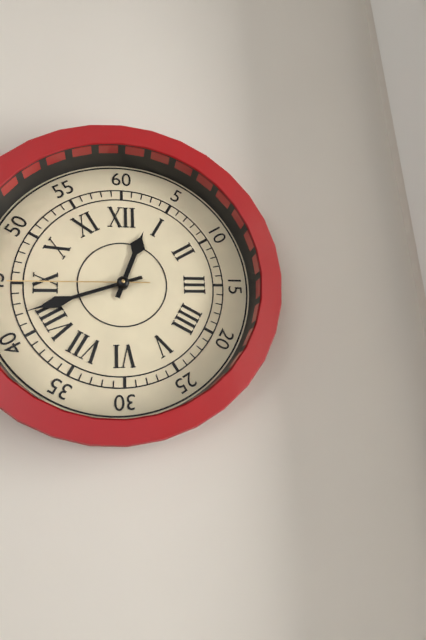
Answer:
12h42m45s
